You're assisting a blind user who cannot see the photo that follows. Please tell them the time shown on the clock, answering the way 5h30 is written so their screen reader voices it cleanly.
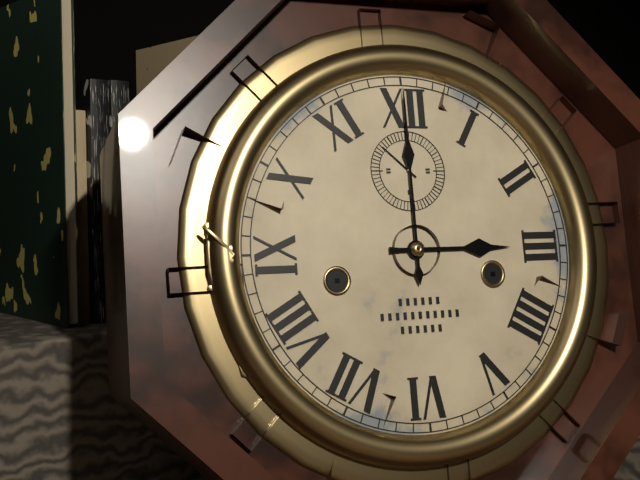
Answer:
3h00
